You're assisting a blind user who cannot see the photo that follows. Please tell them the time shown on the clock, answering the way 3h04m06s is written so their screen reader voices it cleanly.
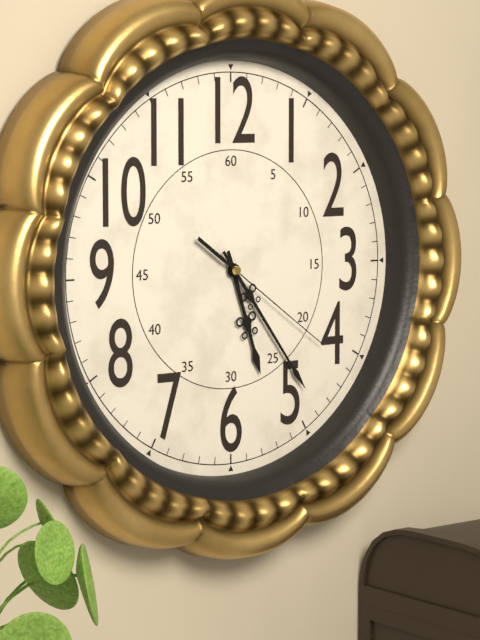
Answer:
5h24m21s
